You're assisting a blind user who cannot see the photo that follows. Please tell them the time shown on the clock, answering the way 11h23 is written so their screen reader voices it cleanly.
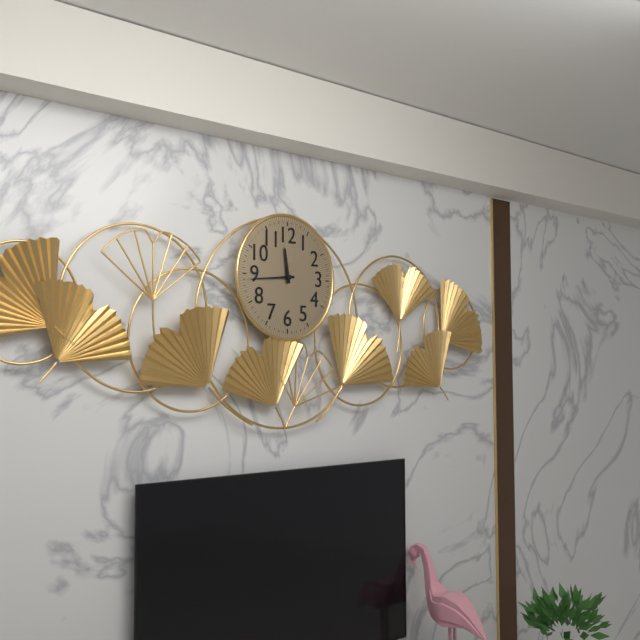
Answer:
11h44
